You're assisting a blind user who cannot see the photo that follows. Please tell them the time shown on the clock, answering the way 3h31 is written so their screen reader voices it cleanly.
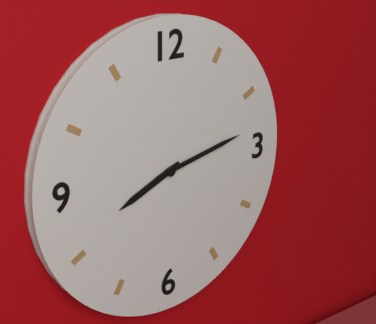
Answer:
8h13
